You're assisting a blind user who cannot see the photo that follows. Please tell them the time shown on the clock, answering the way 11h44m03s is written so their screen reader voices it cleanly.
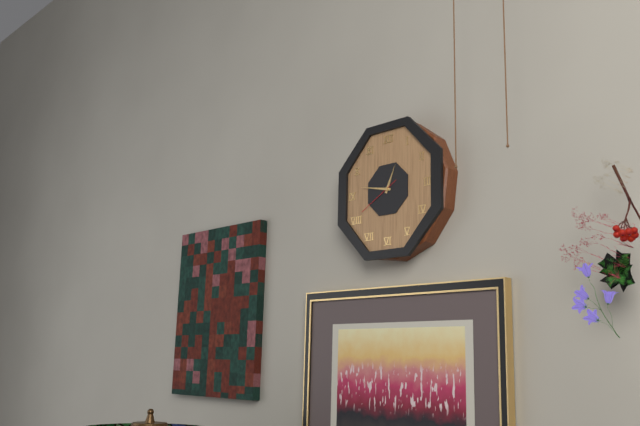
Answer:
12h47m40s
